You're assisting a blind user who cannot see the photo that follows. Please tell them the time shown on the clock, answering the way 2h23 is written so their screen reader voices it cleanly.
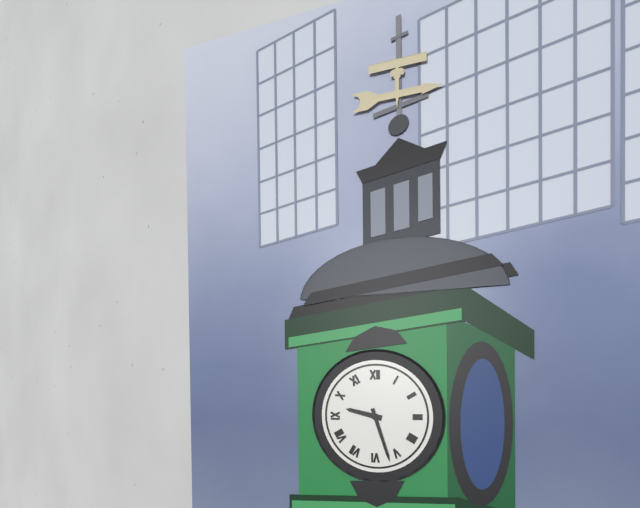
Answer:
9h27
